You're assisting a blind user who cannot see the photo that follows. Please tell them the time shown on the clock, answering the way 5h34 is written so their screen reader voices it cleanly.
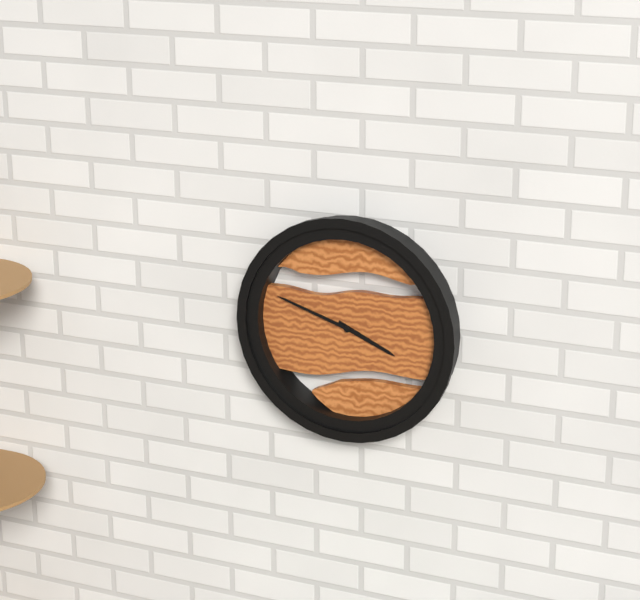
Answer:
3h48
